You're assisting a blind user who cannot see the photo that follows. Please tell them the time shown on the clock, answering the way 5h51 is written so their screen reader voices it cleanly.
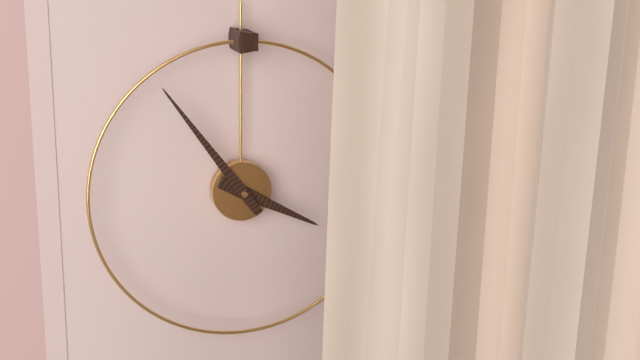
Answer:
3h54
